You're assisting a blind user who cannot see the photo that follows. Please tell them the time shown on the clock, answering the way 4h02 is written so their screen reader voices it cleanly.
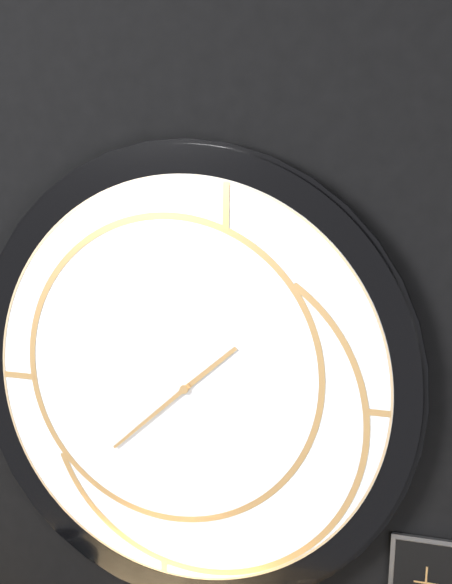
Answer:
1h38
